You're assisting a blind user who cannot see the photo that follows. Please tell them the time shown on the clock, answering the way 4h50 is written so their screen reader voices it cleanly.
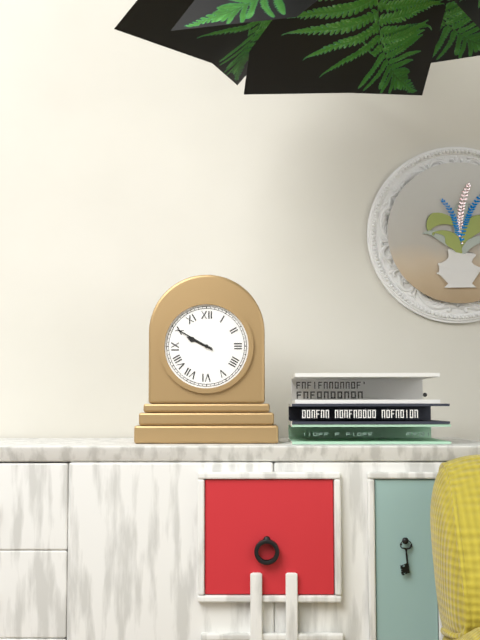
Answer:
9h50
